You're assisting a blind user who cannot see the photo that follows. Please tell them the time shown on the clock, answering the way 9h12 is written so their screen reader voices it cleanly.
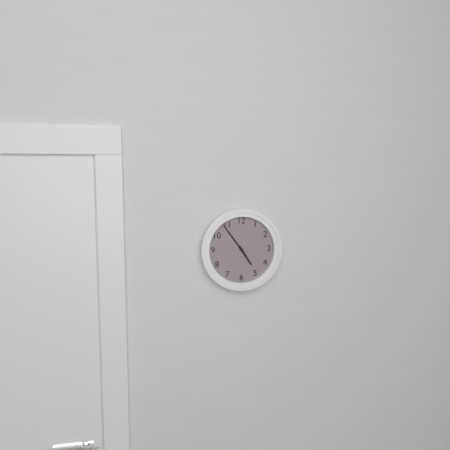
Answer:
4h54
